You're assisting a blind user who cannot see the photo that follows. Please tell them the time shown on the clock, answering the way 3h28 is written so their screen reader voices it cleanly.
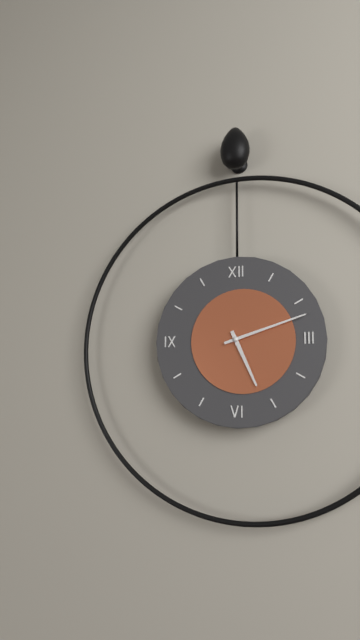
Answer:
5h12
